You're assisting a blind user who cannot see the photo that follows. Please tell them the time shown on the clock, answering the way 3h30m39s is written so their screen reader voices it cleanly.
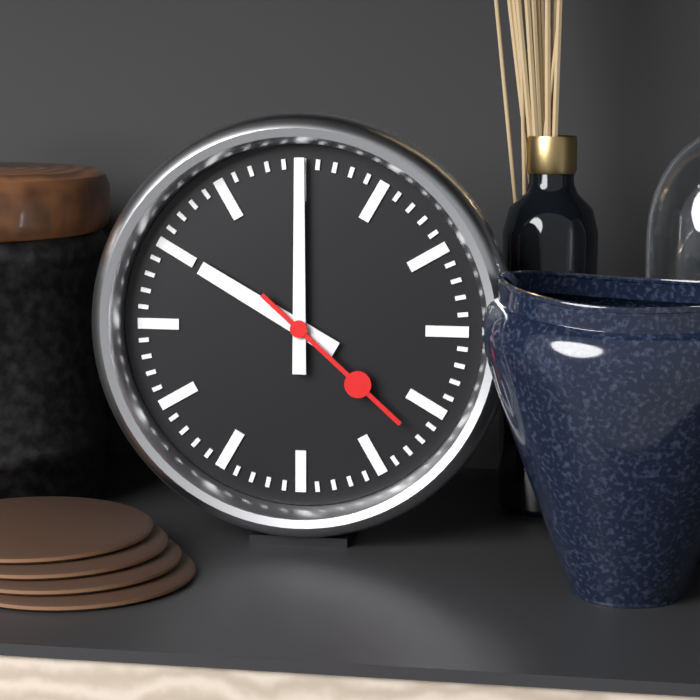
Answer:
10h00m22s
